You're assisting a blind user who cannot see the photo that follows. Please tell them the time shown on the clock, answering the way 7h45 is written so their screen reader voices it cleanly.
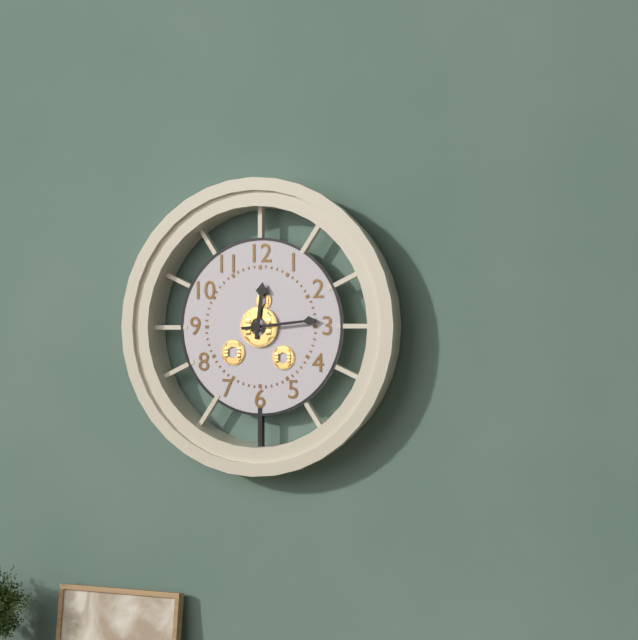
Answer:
12h14
